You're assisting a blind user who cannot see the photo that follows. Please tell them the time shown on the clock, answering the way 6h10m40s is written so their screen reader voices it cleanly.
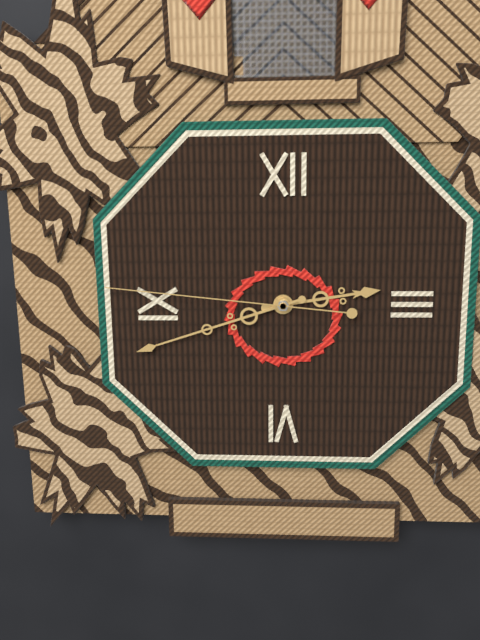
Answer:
2h42m46s
